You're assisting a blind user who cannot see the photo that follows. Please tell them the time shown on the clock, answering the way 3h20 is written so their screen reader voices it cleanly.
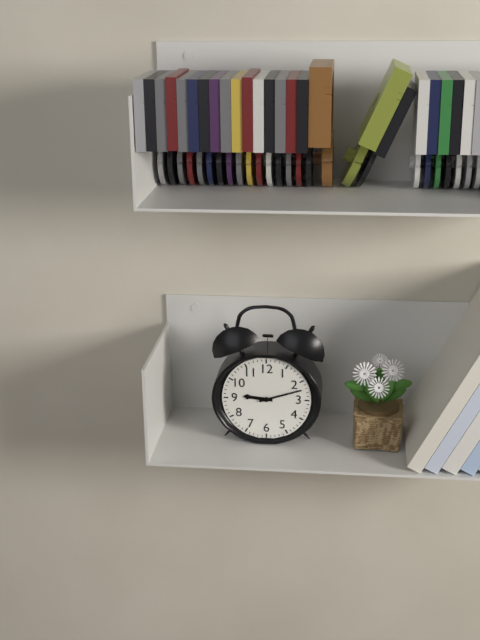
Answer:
9h12
